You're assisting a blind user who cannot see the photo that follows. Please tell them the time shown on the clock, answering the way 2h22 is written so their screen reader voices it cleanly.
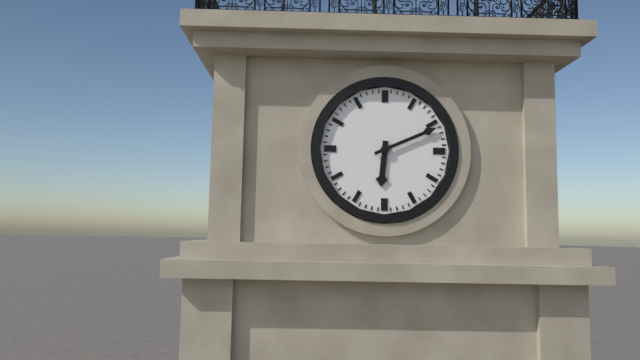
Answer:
6h11
